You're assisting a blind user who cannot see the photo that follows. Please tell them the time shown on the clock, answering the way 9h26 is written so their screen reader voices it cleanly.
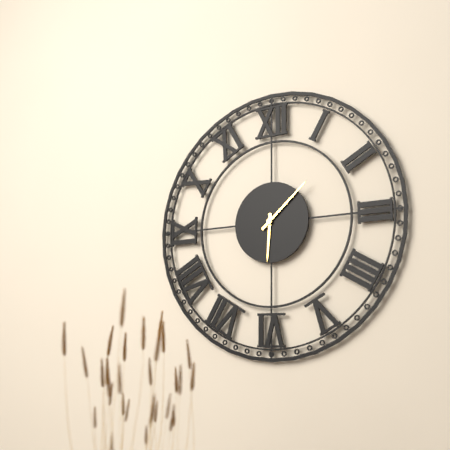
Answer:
6h08
